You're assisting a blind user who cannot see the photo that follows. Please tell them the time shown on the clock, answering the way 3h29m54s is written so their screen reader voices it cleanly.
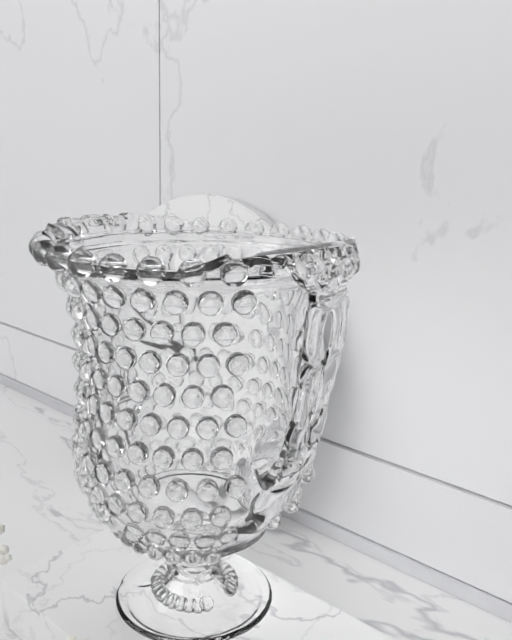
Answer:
8h47m55s
